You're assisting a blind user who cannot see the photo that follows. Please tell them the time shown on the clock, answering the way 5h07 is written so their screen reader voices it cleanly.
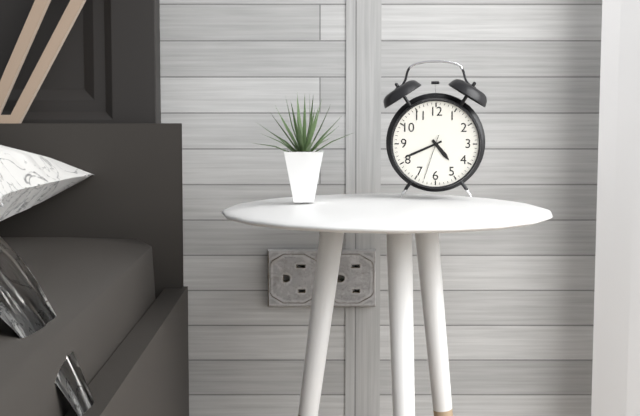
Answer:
4h41
